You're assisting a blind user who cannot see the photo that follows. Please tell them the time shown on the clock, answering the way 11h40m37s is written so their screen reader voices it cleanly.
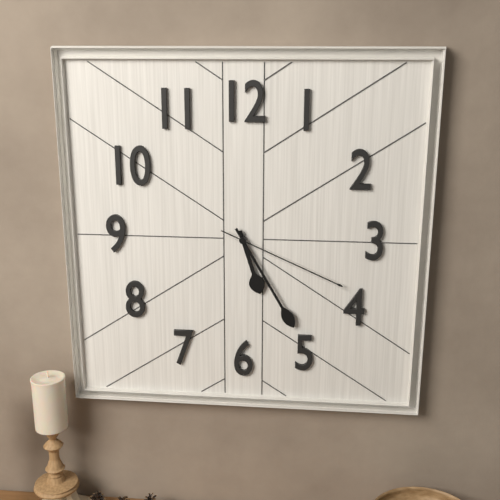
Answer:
5h25m19s
